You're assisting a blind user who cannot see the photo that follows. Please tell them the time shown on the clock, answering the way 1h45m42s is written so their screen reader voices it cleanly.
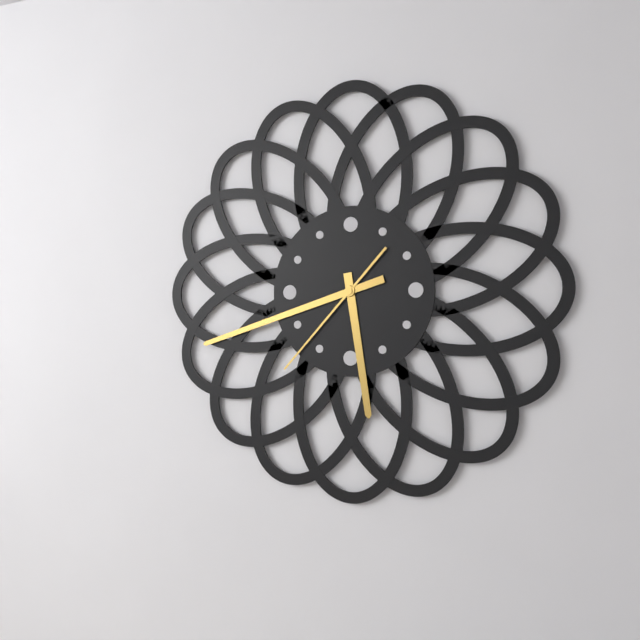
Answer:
5h42m37s
